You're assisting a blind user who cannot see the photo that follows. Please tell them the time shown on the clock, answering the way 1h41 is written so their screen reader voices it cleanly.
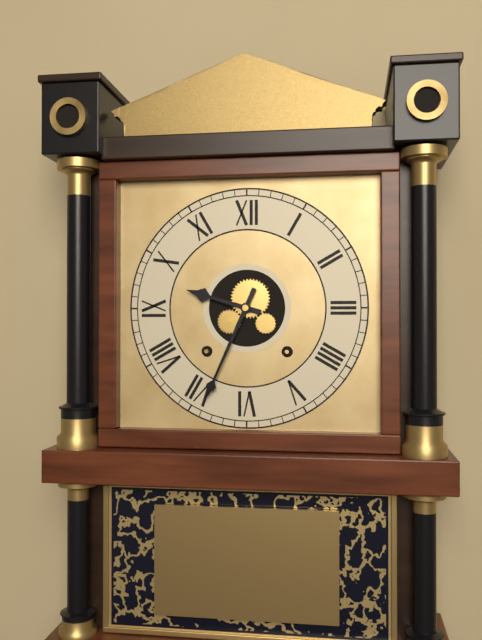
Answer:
9h34
